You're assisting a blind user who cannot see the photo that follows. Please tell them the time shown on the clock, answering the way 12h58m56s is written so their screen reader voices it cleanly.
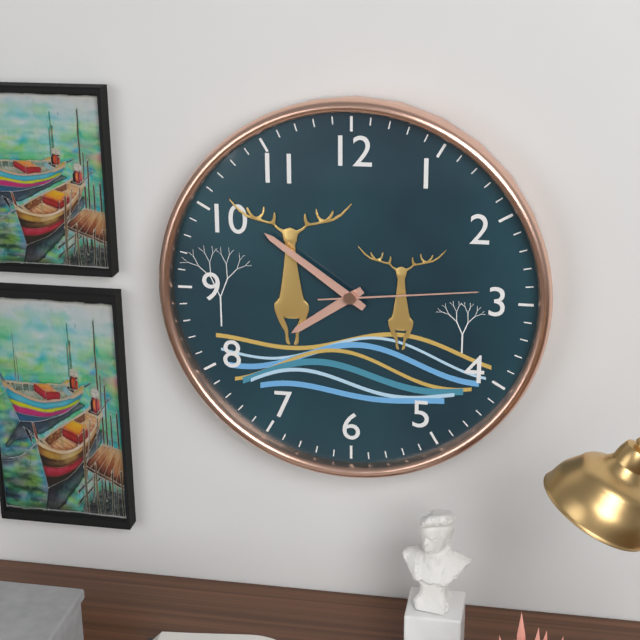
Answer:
7h51m14s
